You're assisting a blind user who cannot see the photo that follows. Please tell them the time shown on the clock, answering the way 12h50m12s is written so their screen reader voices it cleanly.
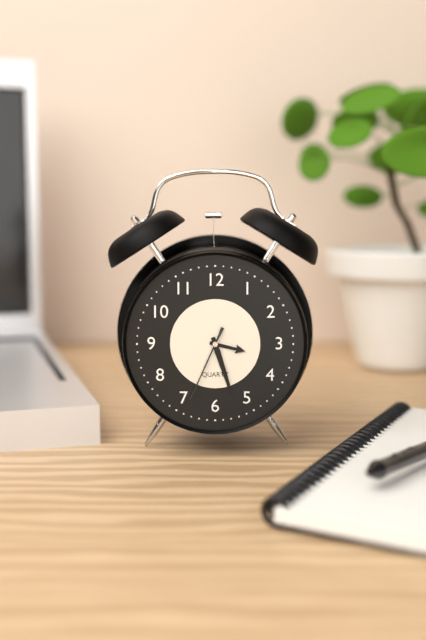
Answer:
3h27m34s
